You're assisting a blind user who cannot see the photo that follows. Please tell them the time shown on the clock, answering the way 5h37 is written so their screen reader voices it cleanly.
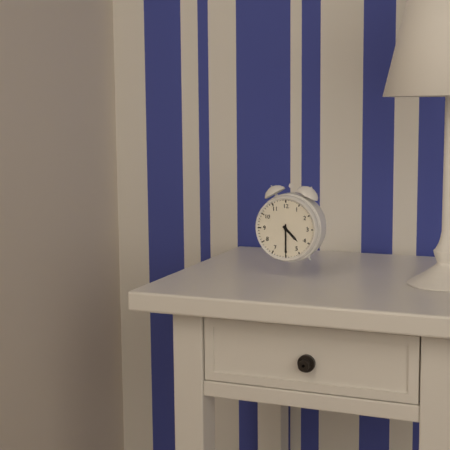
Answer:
4h30
